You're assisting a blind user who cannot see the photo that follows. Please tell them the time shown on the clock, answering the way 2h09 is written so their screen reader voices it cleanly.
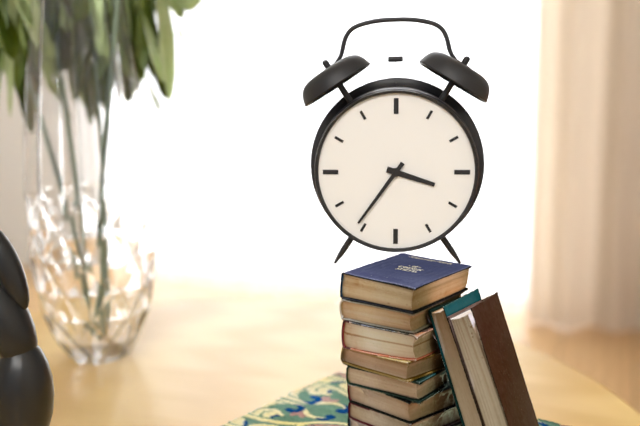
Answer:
3h36
